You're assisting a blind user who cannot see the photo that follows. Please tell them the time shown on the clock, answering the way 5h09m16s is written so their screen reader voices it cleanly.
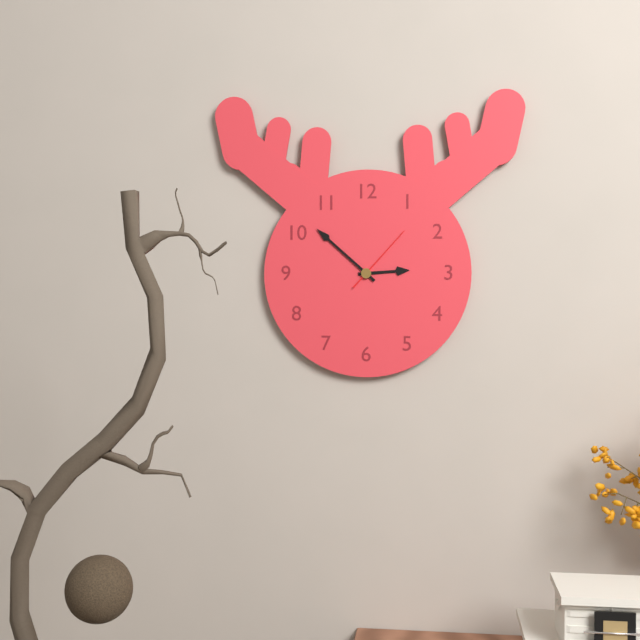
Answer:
2h52m07s
